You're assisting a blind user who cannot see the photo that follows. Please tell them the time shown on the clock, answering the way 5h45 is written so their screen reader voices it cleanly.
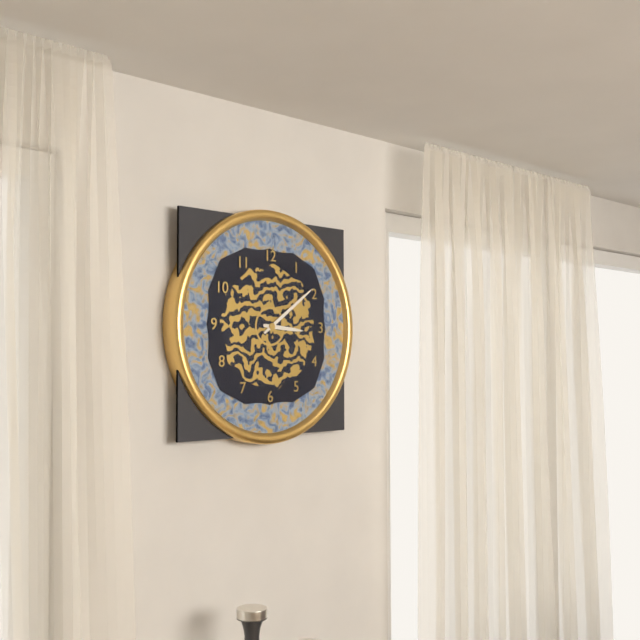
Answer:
3h09
